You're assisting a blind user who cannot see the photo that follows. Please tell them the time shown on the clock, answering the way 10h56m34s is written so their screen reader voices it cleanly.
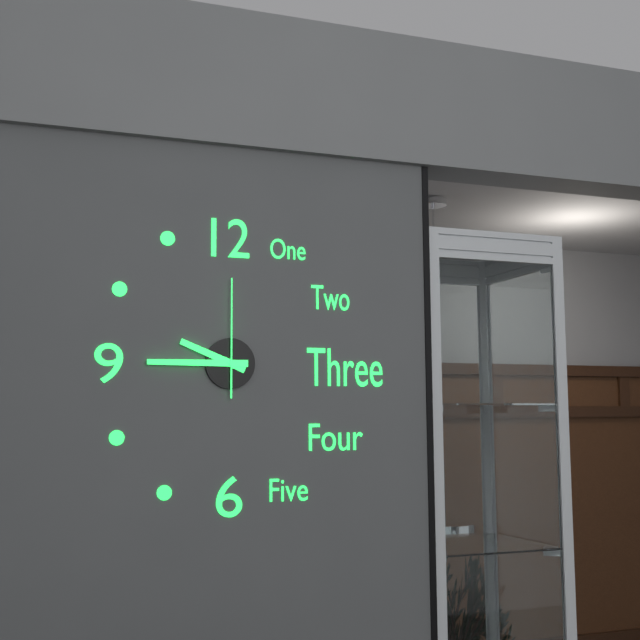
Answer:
9h45m00s
